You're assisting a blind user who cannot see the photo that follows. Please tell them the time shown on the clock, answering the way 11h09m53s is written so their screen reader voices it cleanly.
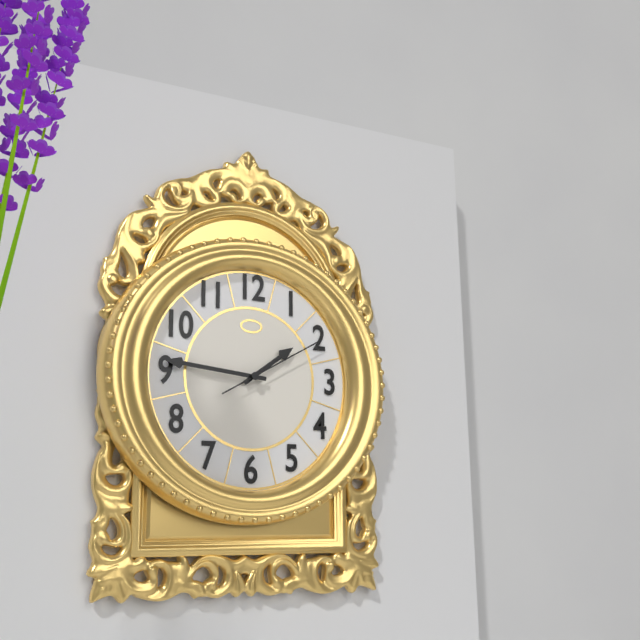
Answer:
1h46m10s
